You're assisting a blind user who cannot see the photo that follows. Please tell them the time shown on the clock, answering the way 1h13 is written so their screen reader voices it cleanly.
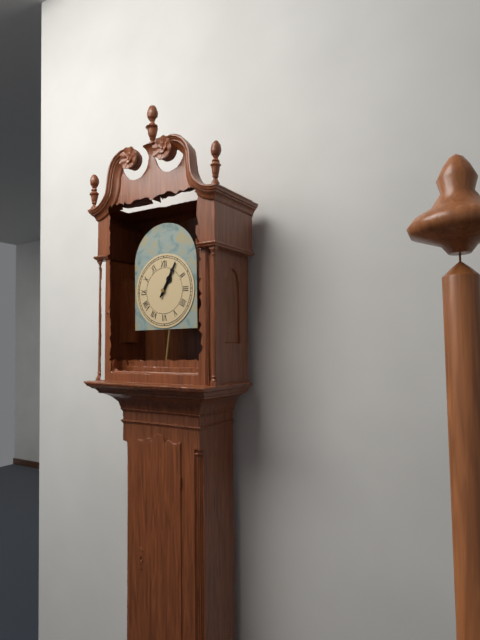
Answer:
1h05
